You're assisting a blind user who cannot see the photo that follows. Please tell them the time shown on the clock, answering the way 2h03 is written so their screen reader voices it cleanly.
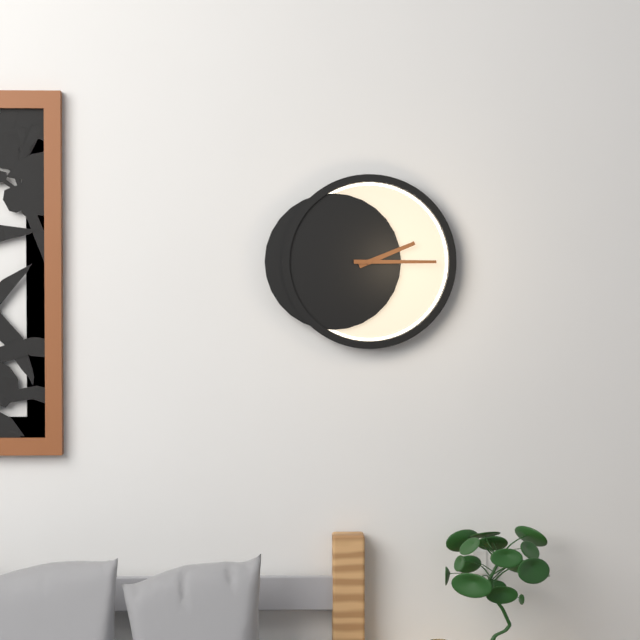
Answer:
2h15
